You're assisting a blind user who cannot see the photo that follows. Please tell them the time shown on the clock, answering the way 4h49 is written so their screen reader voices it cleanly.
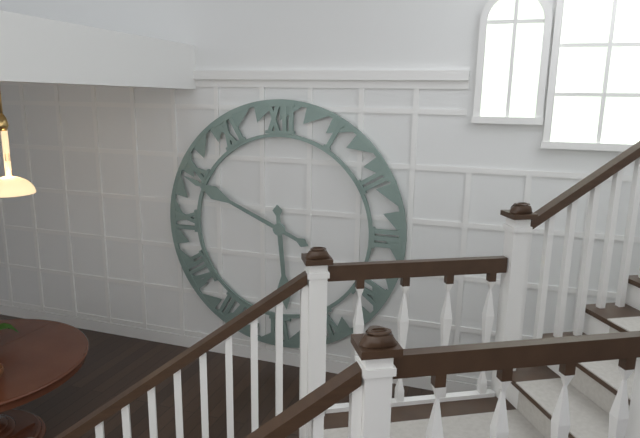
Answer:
5h49
